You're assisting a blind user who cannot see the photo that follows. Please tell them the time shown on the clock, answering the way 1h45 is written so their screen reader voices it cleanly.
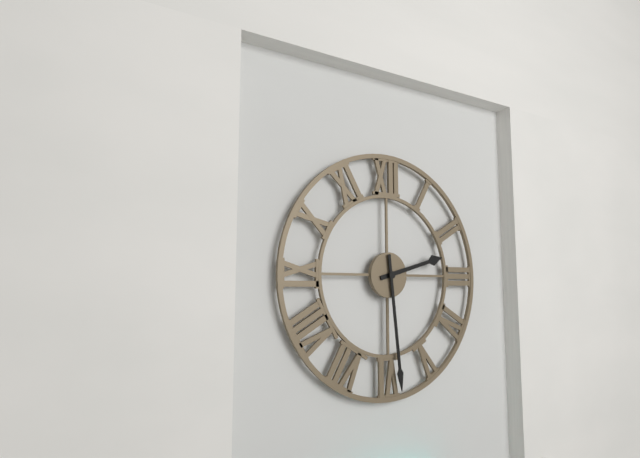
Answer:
2h29
